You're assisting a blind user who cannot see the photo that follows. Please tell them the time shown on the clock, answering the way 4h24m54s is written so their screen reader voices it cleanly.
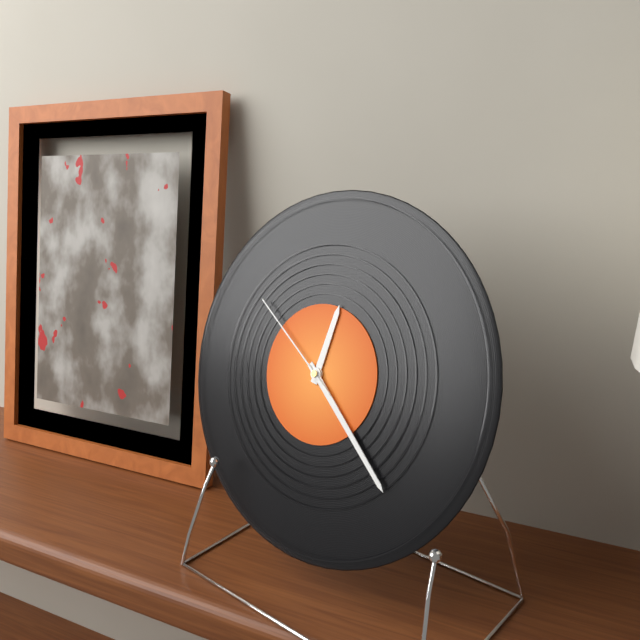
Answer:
12h22m51s
